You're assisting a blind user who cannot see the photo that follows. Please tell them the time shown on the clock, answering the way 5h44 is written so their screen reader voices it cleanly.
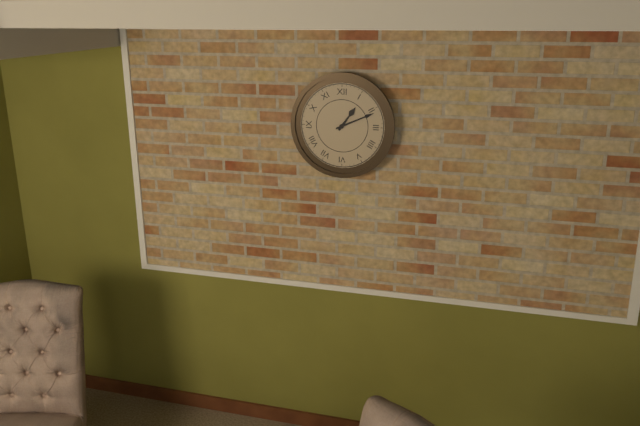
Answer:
1h11
